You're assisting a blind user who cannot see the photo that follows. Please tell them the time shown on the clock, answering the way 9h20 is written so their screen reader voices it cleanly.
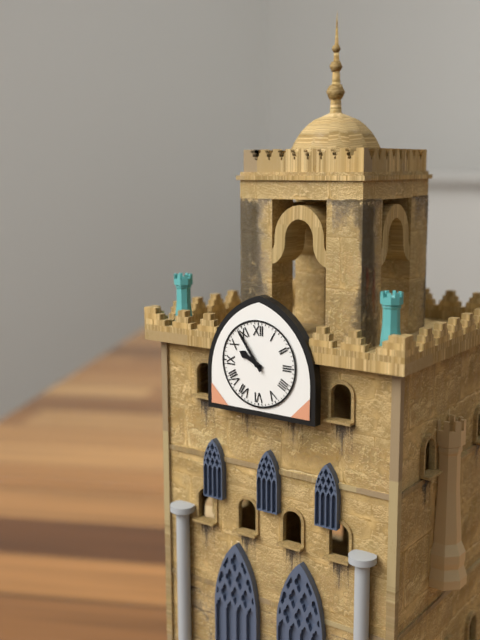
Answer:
9h54
